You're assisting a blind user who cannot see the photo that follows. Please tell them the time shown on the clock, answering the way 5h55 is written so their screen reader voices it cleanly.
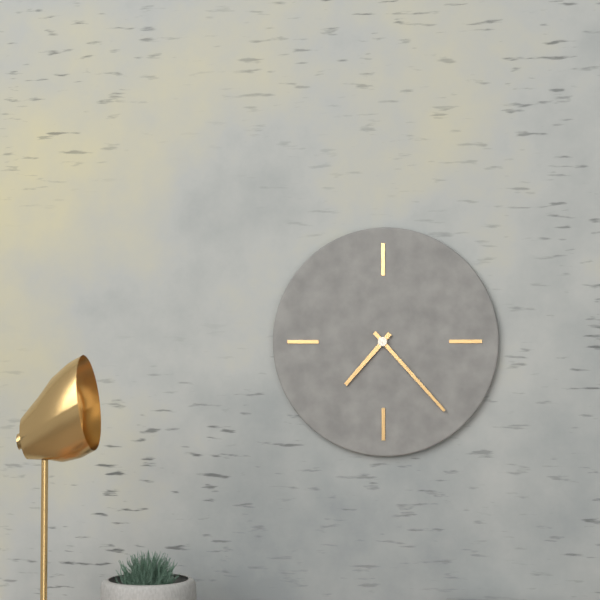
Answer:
7h23
